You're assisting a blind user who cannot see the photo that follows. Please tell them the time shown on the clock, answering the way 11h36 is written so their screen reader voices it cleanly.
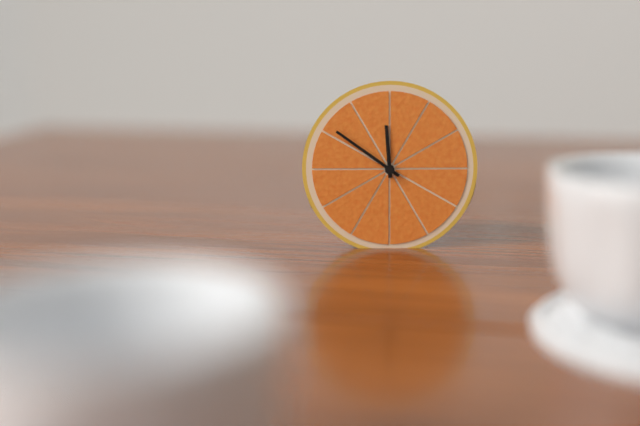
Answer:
11h51
